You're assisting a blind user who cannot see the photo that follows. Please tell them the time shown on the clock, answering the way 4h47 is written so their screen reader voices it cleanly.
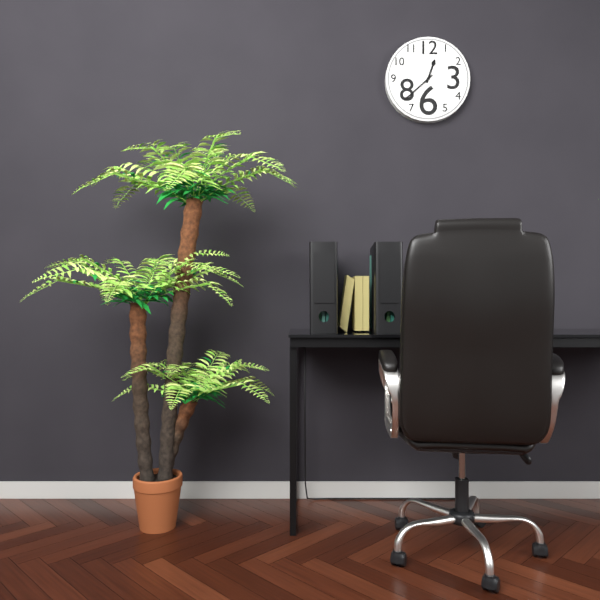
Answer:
12h38
